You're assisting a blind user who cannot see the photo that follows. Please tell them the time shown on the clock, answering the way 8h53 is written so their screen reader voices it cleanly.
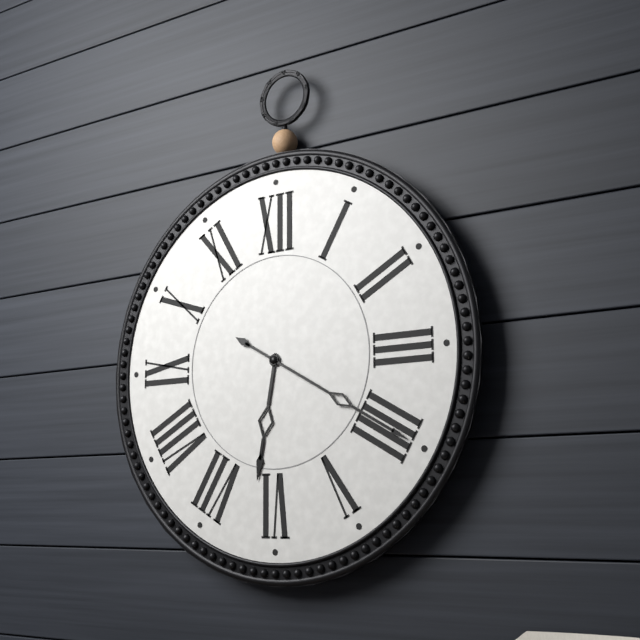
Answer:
6h20
